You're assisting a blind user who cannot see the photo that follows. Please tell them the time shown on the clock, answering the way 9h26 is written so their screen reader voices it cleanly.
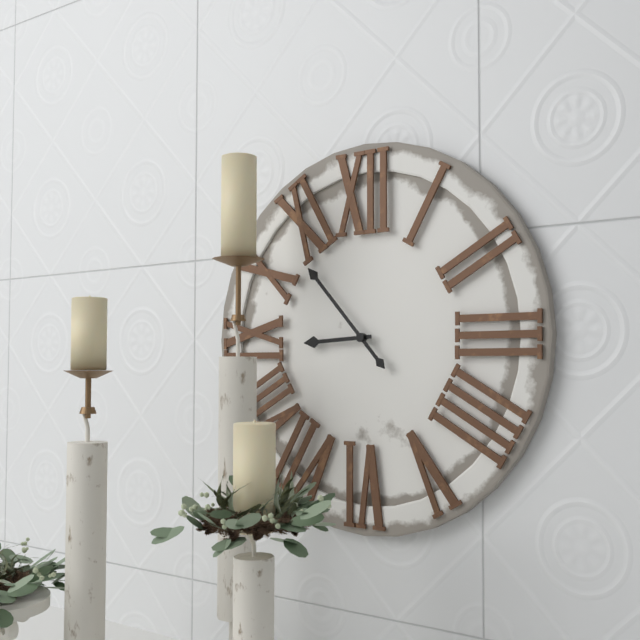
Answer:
8h53
